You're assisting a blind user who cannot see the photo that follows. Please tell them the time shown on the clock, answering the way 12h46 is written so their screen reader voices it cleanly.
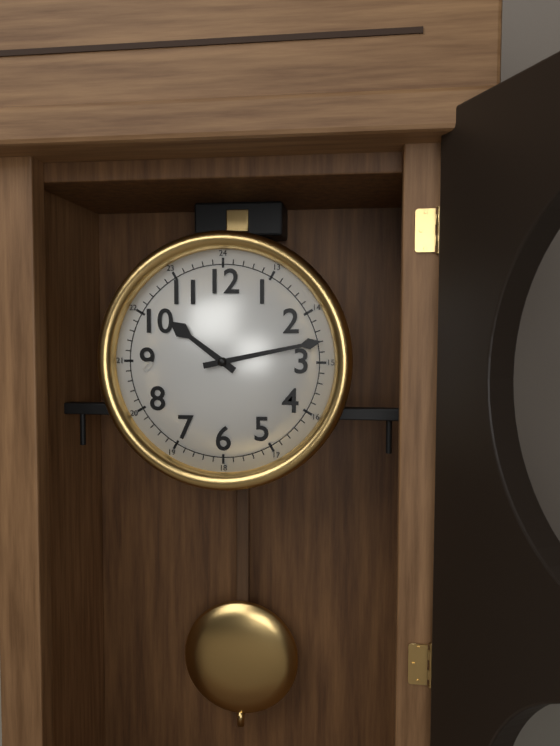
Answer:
10h13
